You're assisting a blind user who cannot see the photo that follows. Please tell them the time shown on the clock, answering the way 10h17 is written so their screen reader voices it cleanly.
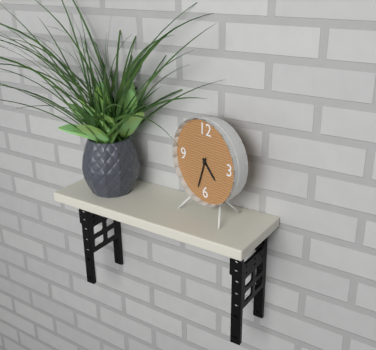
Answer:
4h33
